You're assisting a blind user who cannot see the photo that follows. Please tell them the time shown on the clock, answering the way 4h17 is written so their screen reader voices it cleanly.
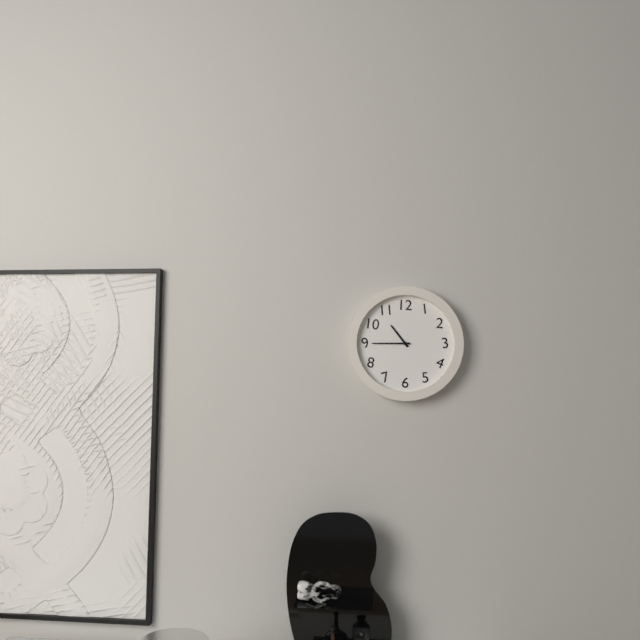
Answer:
10h45
